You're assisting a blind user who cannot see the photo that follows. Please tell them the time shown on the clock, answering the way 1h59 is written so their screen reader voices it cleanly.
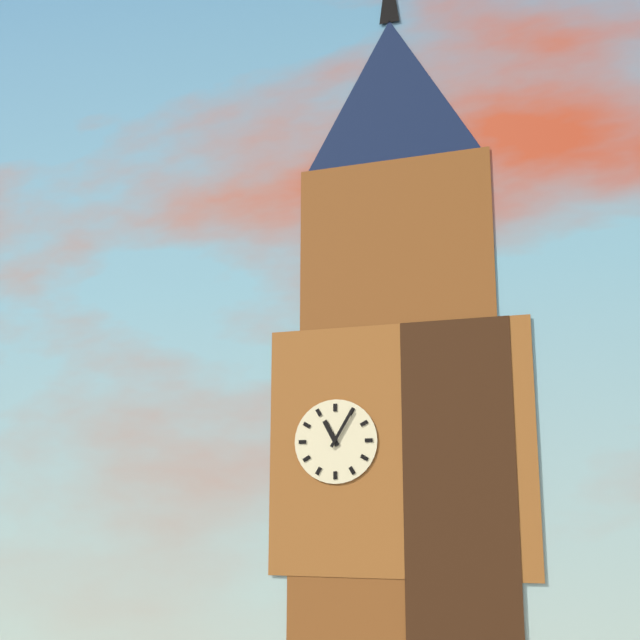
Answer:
11h05
